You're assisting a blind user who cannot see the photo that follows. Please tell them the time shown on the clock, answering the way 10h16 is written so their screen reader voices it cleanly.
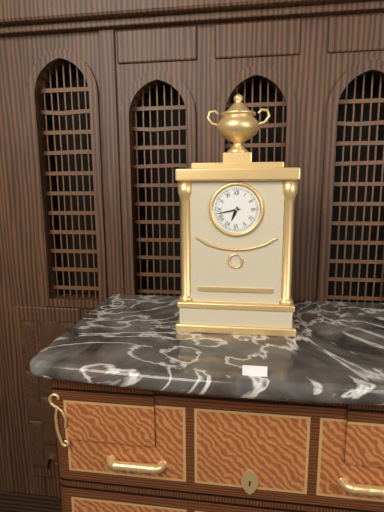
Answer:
6h43
